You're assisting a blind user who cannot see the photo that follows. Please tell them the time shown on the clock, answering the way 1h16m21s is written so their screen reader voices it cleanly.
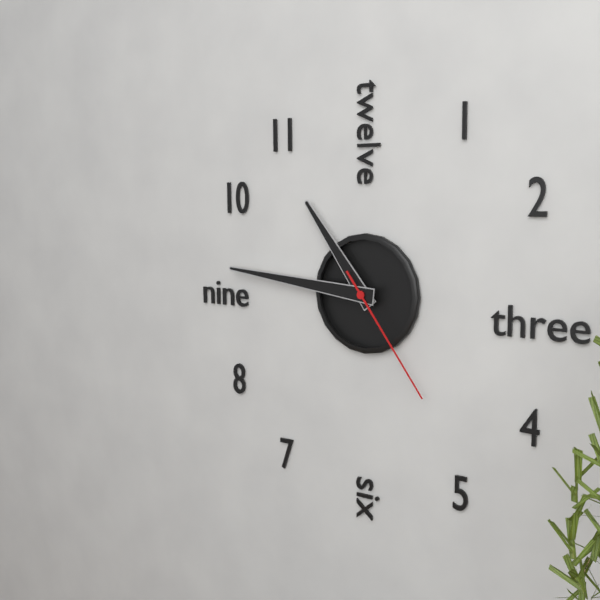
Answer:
10h46m24s
